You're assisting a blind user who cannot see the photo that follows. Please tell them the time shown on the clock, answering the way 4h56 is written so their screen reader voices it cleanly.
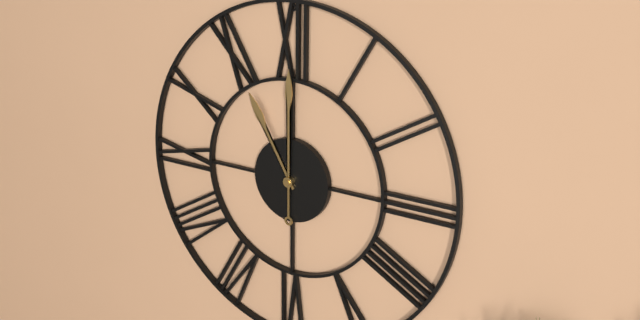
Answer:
11h00
